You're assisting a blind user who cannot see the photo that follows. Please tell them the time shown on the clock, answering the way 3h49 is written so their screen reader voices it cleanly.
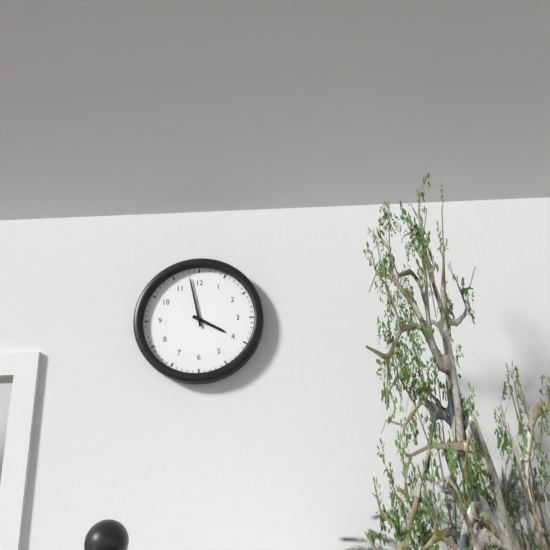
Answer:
3h58
